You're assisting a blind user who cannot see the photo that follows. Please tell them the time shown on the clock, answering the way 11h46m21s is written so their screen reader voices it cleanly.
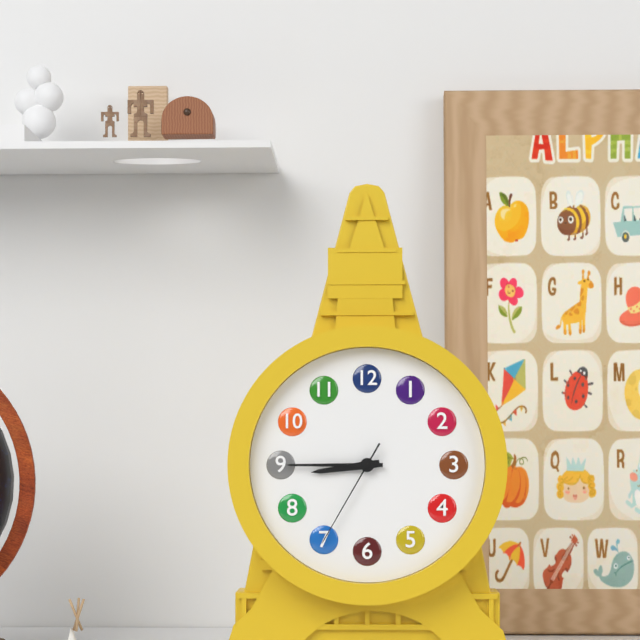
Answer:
8h45m35s
